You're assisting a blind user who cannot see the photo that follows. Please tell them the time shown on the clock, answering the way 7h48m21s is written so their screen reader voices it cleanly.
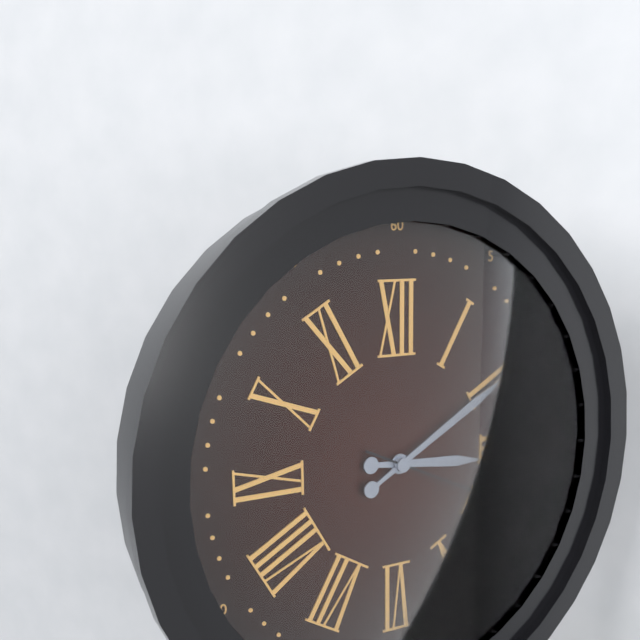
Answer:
3h10m19s
